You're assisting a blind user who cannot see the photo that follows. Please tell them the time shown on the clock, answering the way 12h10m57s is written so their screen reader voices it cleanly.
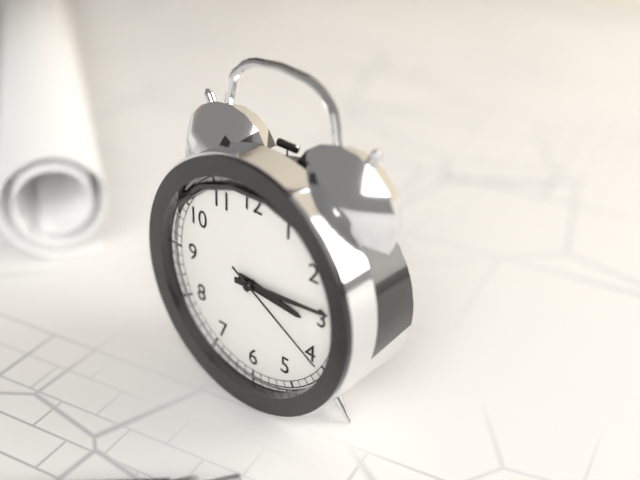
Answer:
3h14m20s
